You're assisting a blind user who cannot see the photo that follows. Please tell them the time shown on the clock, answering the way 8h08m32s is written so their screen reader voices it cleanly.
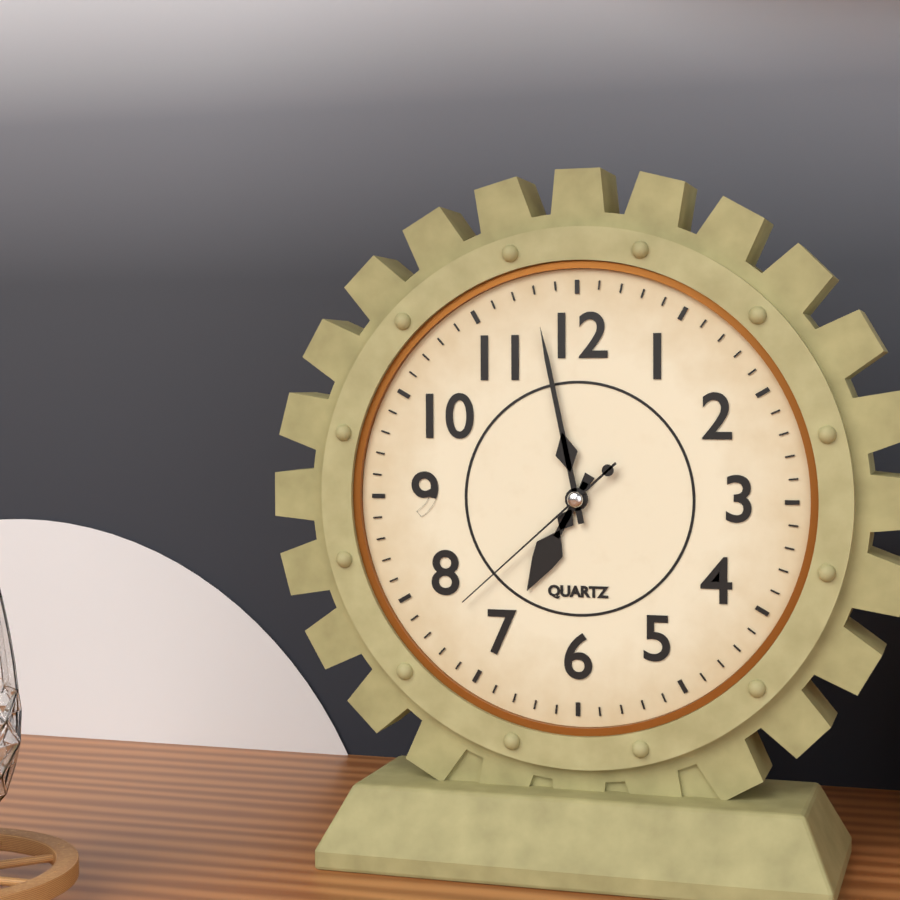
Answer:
6h58m38s
